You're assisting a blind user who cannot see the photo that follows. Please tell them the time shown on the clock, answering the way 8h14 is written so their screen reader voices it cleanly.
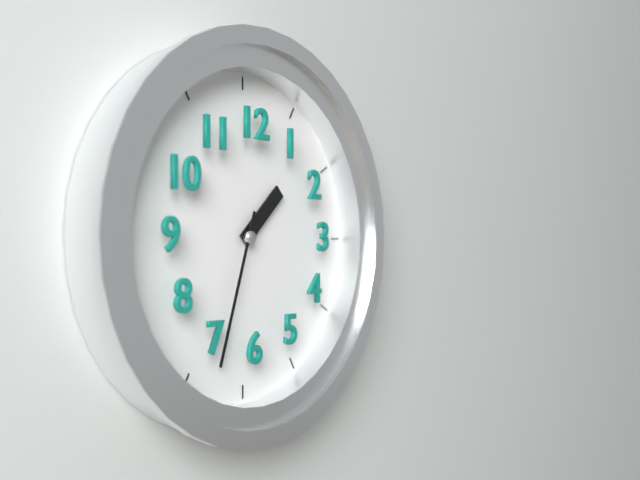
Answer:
1h33
